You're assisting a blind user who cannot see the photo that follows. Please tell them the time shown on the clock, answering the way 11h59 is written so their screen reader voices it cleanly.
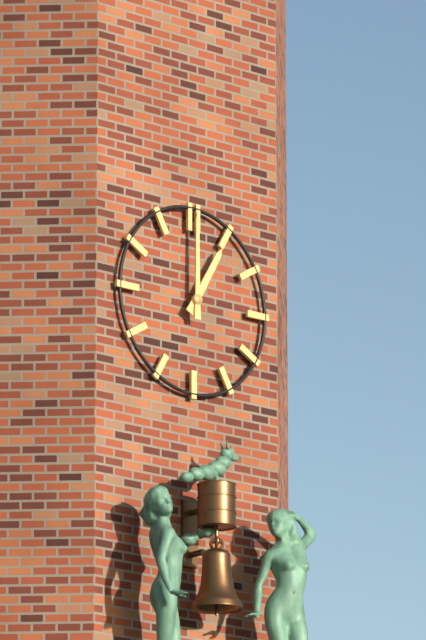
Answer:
1h00
